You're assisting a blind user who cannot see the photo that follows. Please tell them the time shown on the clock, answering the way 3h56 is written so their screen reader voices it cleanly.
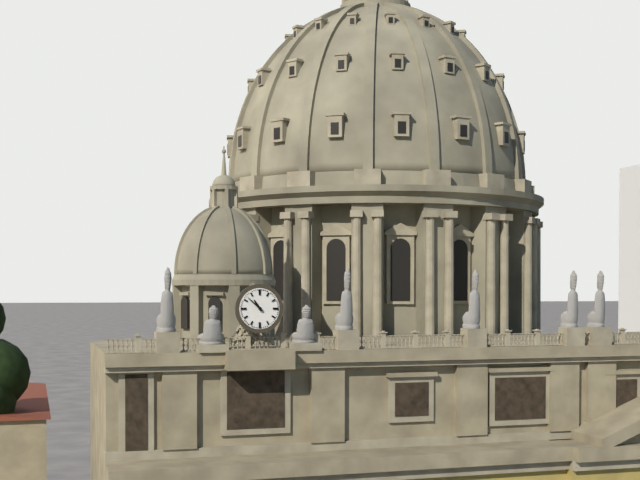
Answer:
10h52
